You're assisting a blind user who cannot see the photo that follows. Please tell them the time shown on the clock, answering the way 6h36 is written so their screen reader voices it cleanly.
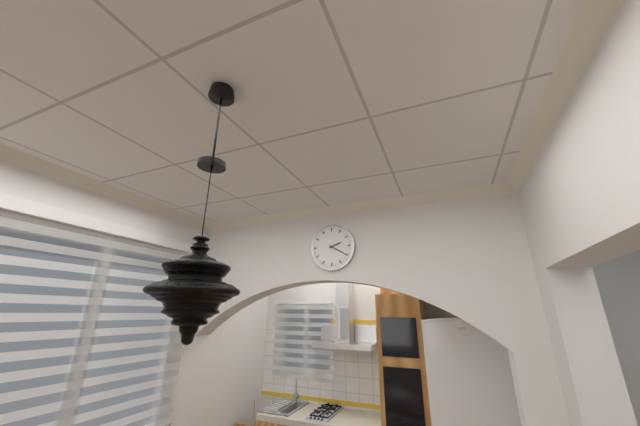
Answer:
2h20
